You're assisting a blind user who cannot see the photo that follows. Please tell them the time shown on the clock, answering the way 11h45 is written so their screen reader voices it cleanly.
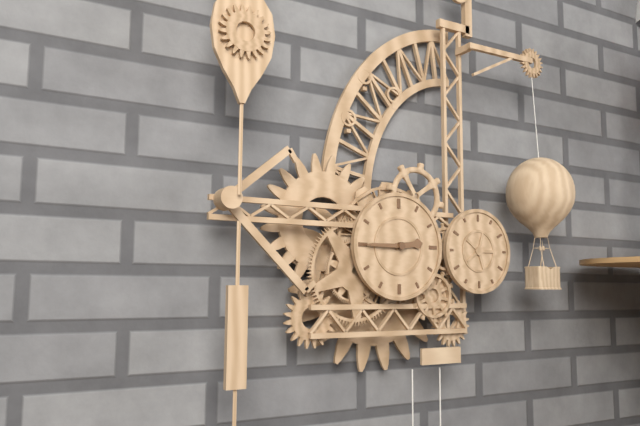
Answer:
2h45
